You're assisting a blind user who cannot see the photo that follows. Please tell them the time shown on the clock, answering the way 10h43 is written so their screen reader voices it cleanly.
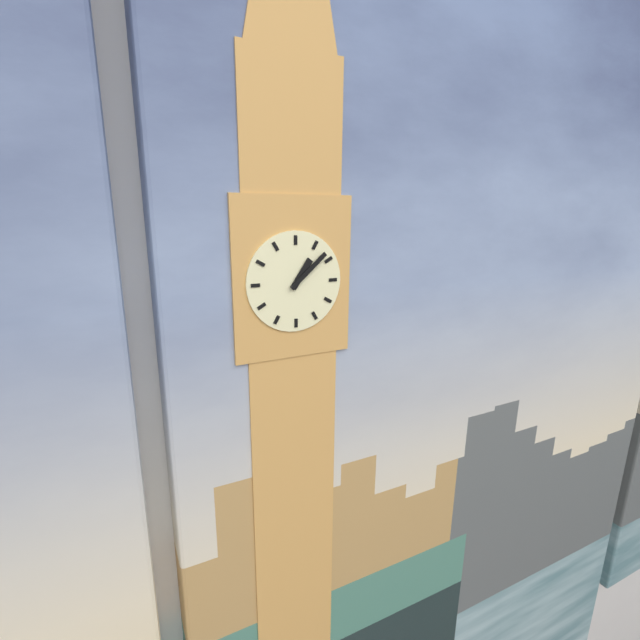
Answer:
1h08
